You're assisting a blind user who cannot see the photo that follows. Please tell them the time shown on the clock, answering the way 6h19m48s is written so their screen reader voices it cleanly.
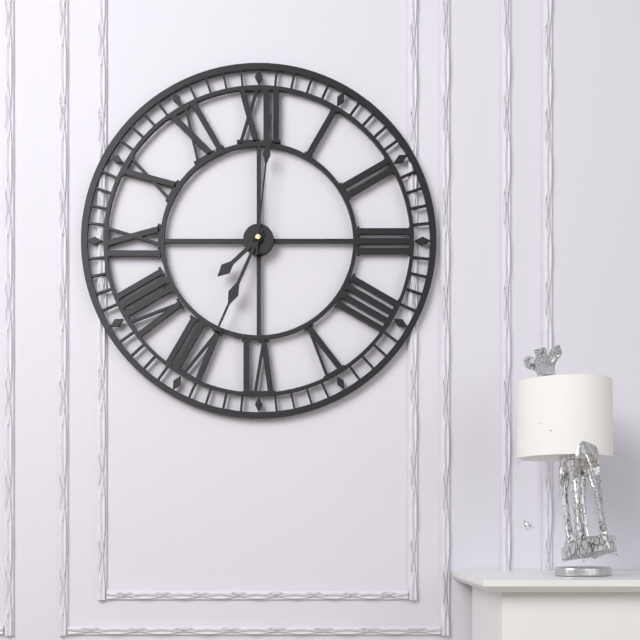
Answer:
7h34m01s
